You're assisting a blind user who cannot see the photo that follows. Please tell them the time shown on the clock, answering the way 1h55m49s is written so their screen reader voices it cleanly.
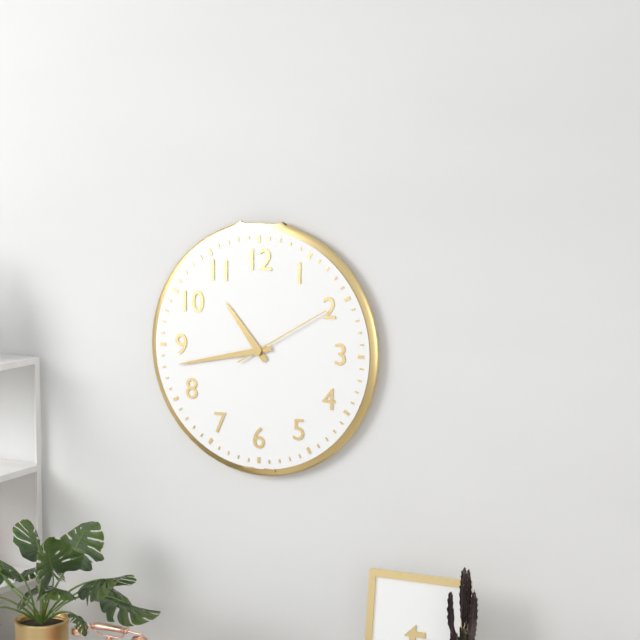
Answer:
10h43m10s
